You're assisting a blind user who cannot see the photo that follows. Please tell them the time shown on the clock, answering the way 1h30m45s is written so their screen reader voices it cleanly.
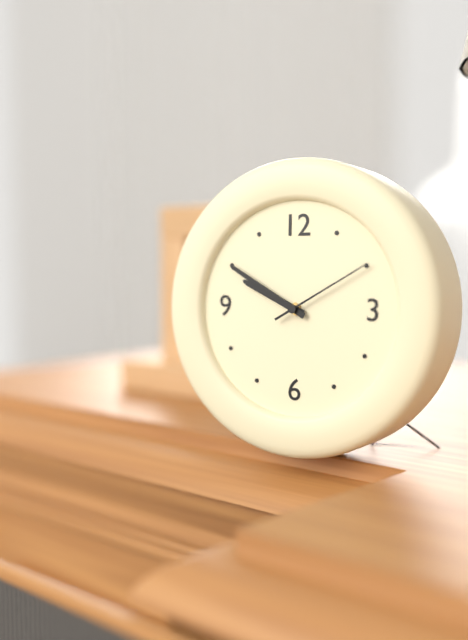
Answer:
9h50m10s
